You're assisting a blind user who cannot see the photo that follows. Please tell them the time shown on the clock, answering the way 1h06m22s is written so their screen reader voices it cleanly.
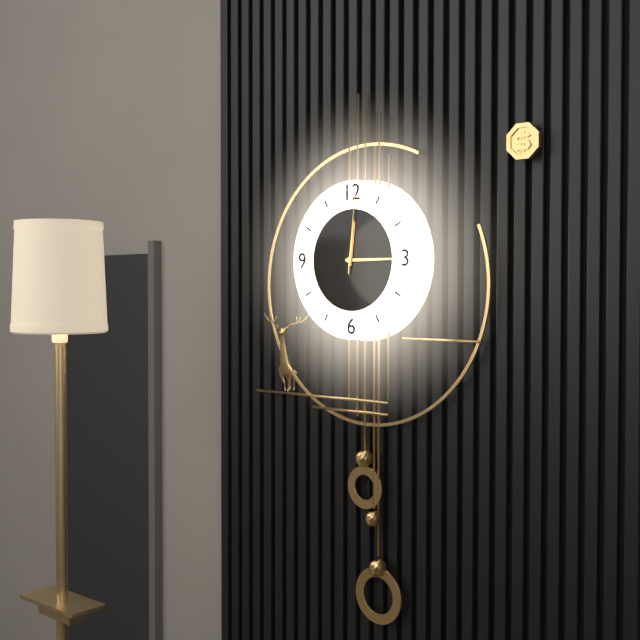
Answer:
12h15m01s
